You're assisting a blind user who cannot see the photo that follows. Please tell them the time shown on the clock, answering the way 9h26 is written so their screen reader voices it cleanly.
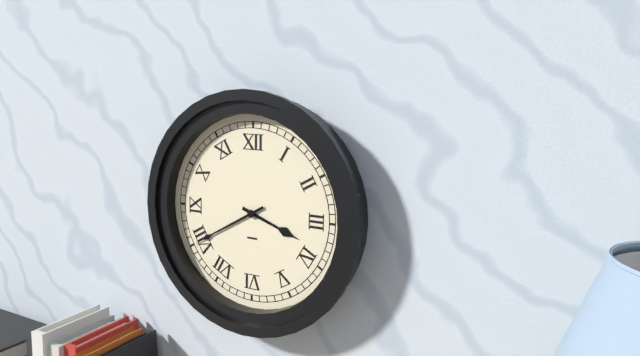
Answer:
3h40
